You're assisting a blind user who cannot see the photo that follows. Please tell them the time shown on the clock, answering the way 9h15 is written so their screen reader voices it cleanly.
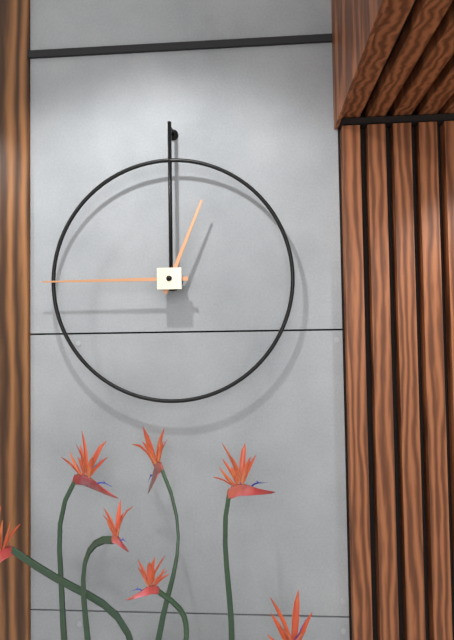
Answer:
12h45
